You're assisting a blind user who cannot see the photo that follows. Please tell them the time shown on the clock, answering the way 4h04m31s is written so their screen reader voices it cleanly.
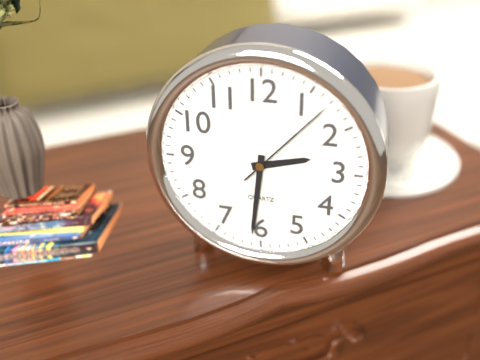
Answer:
2h31m07s
